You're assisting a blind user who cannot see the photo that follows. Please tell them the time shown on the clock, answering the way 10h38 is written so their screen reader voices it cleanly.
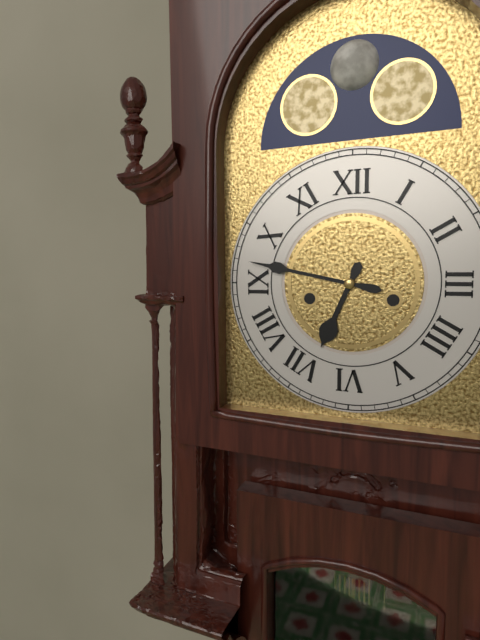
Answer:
6h47
